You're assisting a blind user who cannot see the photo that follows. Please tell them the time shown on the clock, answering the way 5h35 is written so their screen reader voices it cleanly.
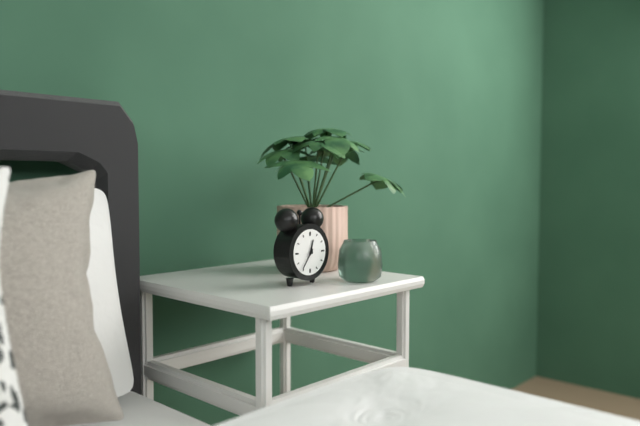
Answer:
12h36
